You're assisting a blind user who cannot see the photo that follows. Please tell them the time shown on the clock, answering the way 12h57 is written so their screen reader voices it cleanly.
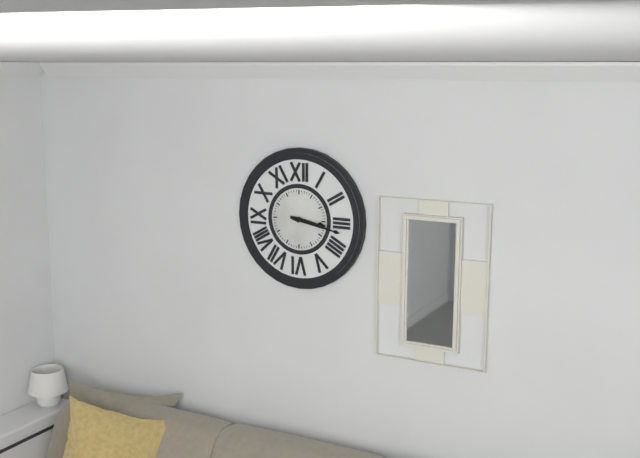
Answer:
3h17
